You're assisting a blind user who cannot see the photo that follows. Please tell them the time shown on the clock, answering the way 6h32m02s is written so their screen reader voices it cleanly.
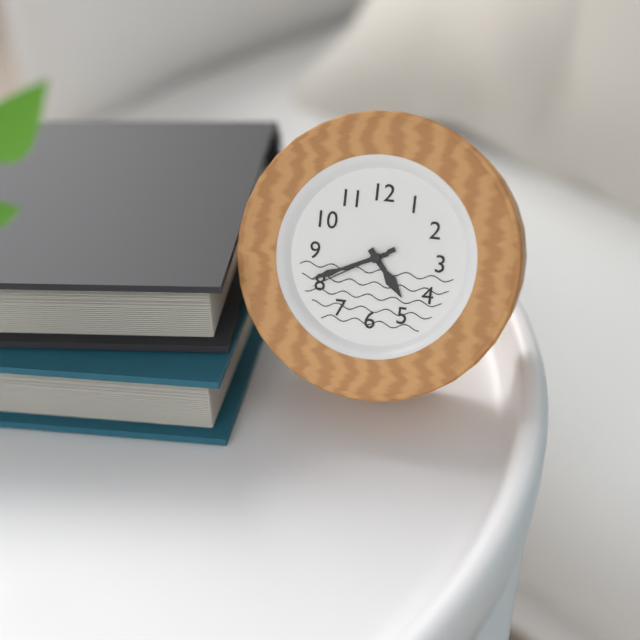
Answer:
4h41m40s
